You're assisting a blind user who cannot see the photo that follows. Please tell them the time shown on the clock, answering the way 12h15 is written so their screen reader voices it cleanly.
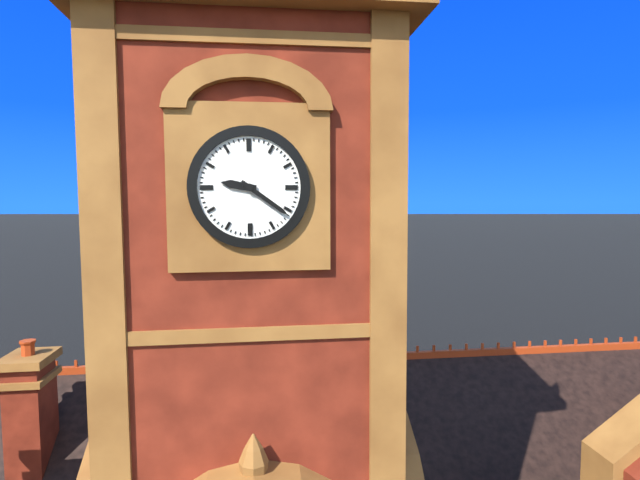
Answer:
9h21
